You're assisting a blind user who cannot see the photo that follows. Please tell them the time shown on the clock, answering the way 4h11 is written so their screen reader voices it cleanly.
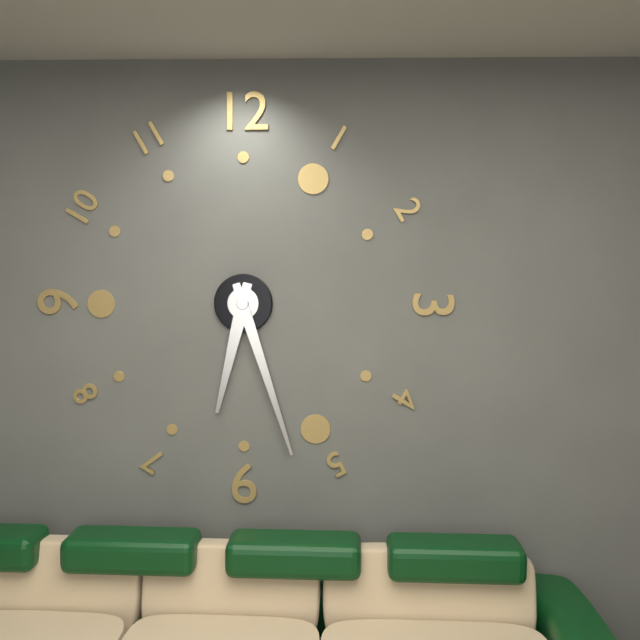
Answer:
6h27
